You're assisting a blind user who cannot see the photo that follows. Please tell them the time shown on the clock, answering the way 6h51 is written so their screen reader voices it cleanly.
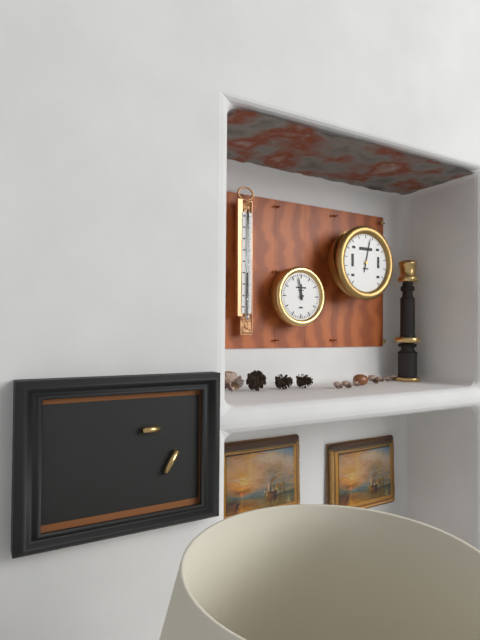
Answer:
11h58
